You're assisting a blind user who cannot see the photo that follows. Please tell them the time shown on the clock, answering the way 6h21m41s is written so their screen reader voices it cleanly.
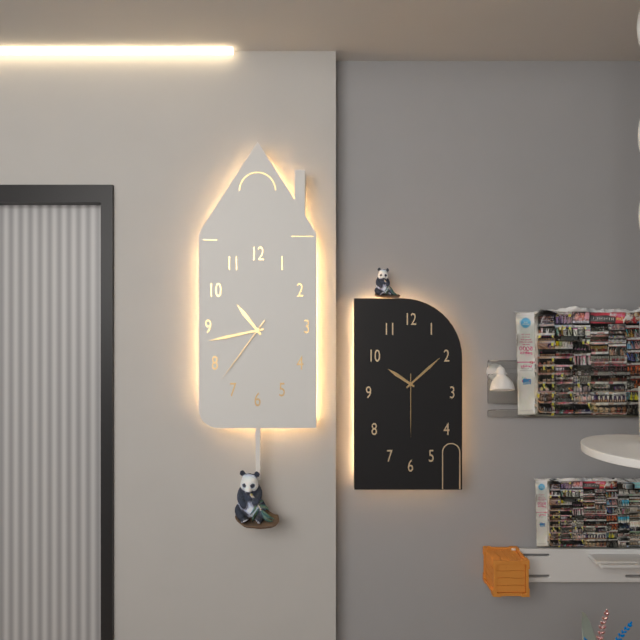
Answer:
10h43m36s
